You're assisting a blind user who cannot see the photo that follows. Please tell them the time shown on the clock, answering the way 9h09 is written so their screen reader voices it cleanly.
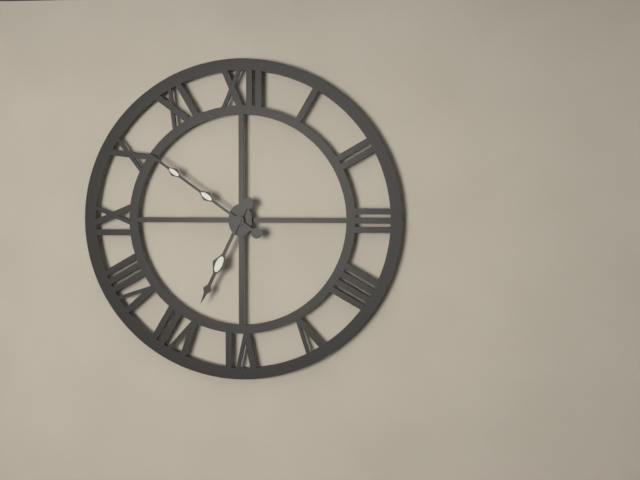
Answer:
6h51
